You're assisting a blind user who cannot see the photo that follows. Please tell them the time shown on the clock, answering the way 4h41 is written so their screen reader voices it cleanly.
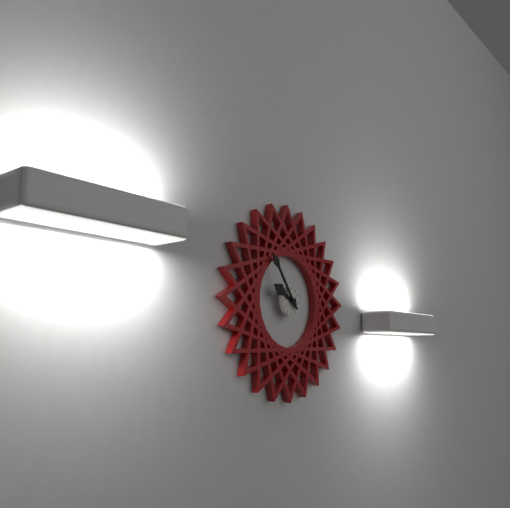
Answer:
9h54
